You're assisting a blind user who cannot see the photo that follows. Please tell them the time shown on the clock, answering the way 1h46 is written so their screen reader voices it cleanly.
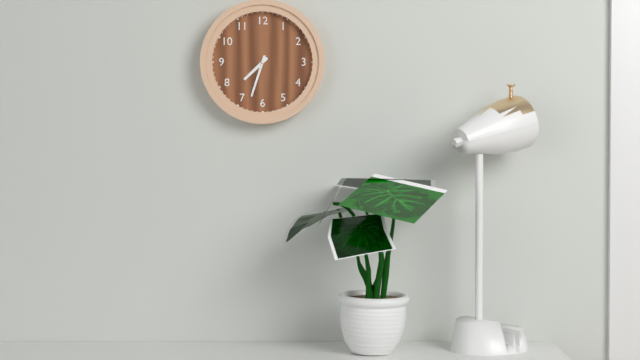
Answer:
7h33
